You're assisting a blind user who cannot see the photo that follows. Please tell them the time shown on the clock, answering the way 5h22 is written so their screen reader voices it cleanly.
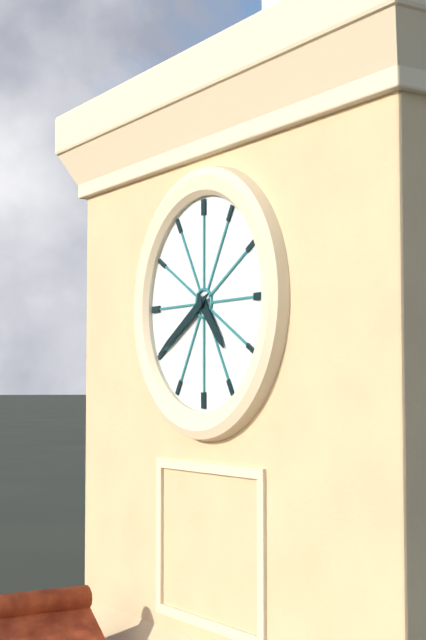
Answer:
4h40
